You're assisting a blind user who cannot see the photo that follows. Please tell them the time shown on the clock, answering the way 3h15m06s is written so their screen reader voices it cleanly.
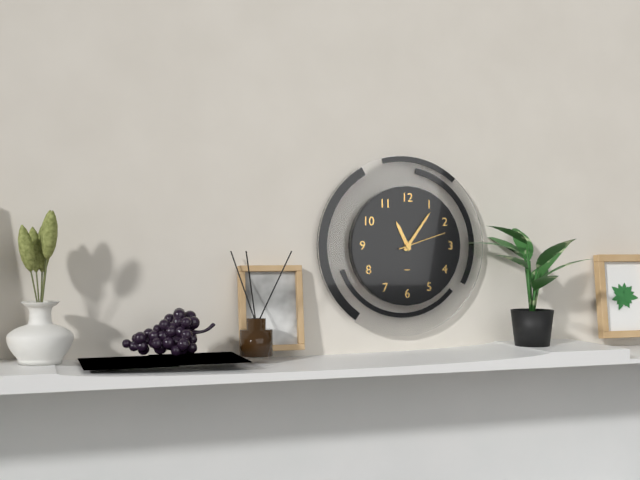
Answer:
11h06m12s
